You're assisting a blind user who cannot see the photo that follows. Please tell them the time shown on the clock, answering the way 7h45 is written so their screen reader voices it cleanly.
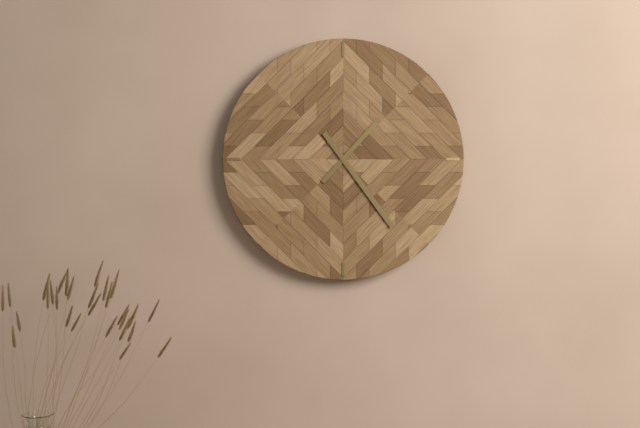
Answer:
1h24
